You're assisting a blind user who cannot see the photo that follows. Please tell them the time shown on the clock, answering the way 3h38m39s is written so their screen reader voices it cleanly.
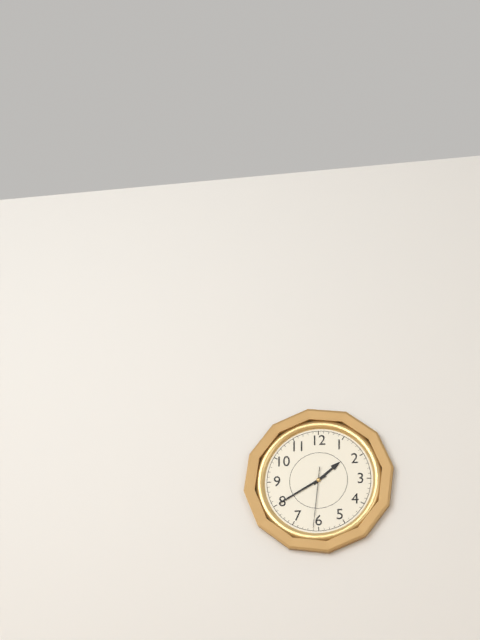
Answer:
1h40m31s
